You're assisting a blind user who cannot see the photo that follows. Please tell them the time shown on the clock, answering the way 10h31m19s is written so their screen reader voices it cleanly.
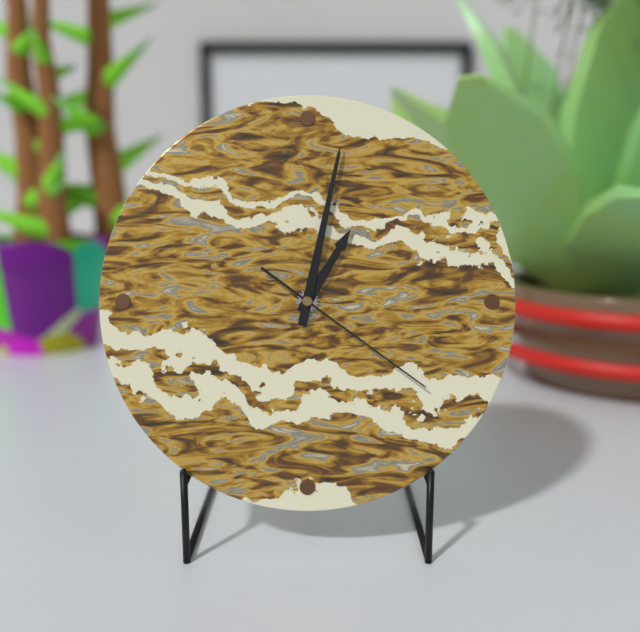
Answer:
1h02m21s
